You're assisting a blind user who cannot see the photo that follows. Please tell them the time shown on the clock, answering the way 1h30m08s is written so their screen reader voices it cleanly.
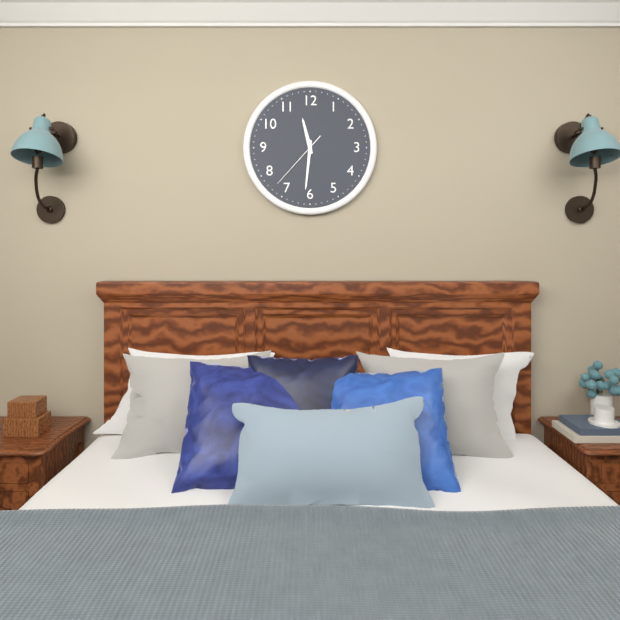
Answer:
11h31m37s
